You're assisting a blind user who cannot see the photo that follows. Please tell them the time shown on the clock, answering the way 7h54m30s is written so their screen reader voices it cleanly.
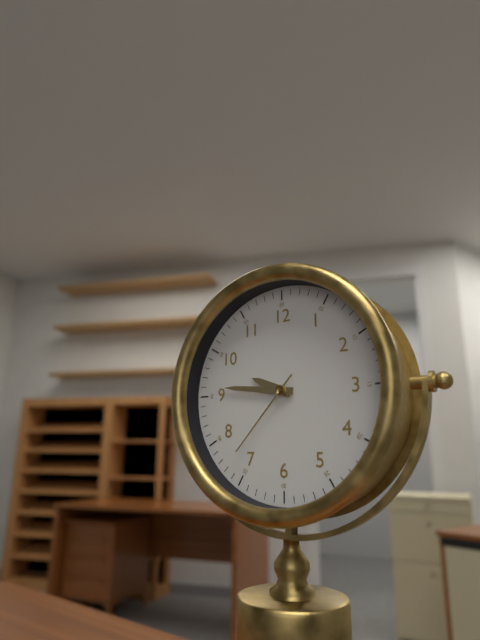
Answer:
9h46m37s
